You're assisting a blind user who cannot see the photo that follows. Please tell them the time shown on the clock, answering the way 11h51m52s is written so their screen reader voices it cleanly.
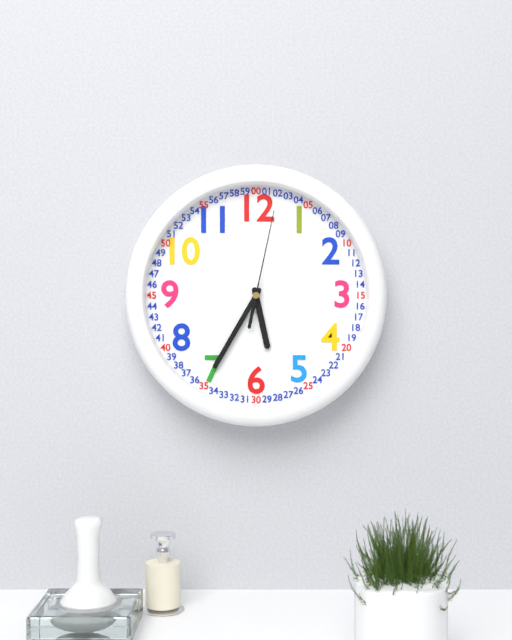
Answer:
5h35m02s
